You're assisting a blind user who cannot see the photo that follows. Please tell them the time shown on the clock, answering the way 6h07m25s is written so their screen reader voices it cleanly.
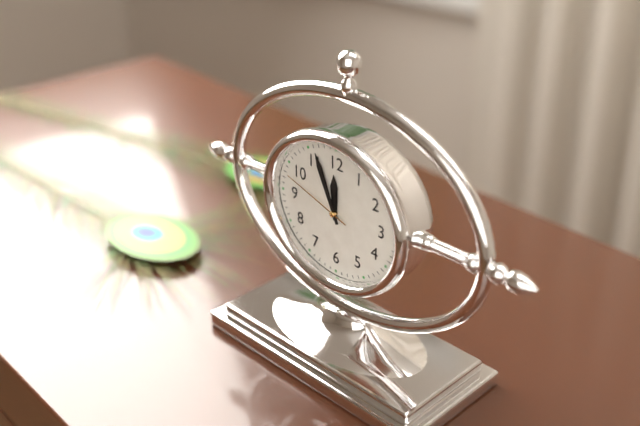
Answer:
11h56m48s
